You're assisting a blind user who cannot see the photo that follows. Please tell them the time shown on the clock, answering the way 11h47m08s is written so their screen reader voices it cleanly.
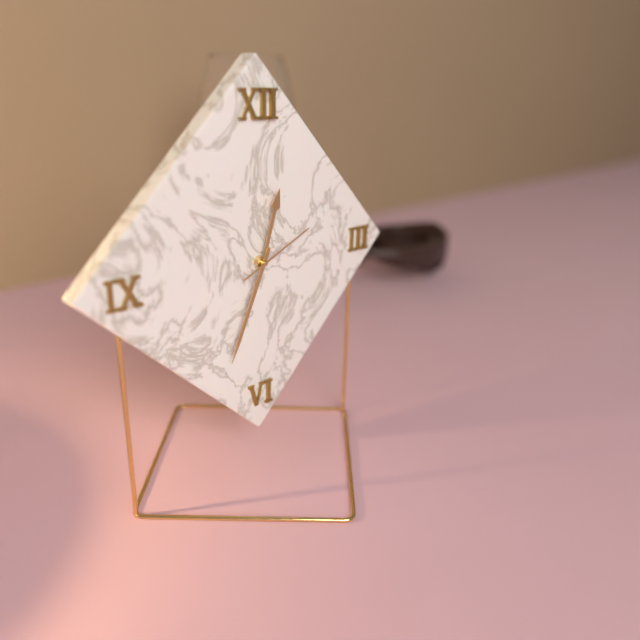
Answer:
12h34m11s
